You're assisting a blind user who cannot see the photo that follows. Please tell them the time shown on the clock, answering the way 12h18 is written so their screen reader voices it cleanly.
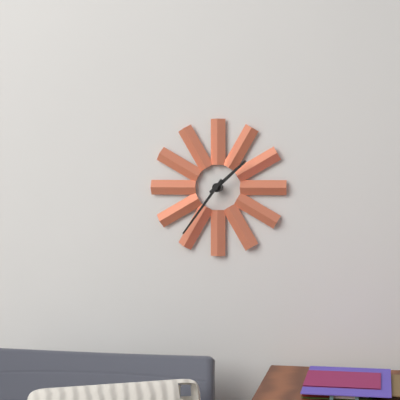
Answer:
1h36
